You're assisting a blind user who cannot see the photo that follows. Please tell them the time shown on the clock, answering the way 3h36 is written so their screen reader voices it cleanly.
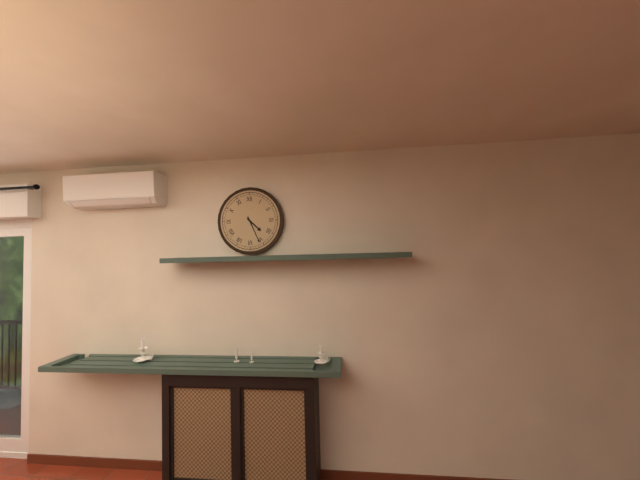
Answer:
4h26
